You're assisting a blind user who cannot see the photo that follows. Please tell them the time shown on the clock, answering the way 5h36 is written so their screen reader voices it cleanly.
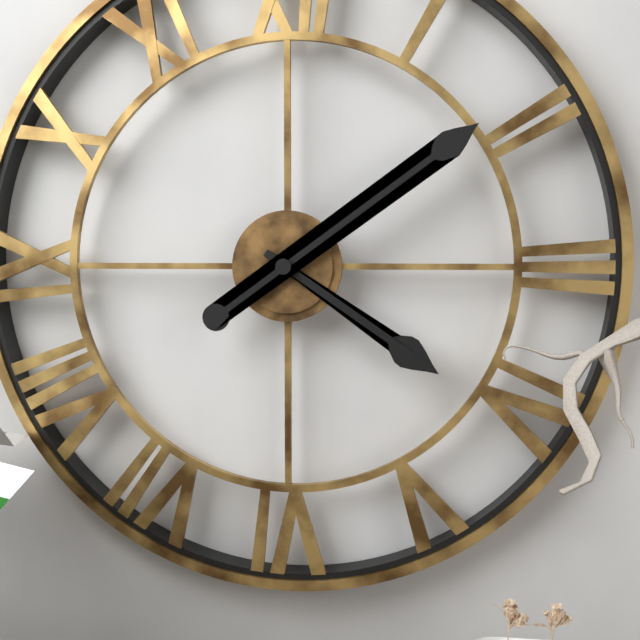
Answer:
4h09
